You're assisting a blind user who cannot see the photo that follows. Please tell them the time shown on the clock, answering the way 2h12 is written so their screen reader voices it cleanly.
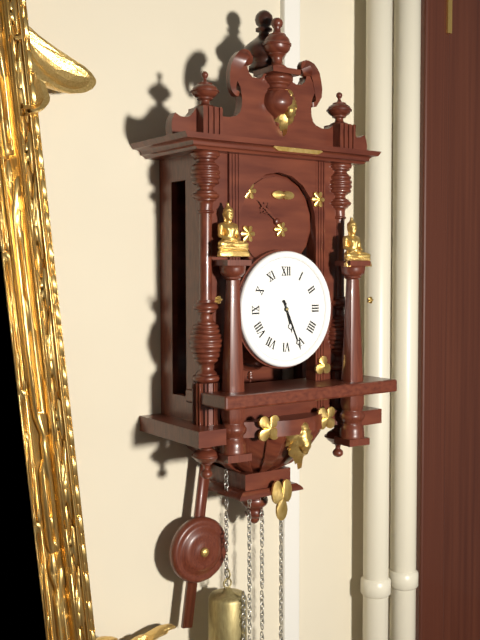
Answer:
5h26
